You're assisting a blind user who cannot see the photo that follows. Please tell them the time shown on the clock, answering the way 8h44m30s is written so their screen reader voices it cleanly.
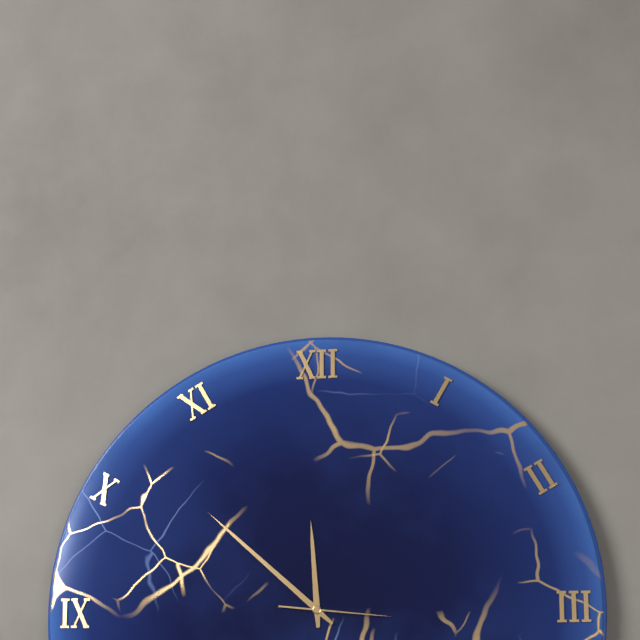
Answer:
11h52m16s
